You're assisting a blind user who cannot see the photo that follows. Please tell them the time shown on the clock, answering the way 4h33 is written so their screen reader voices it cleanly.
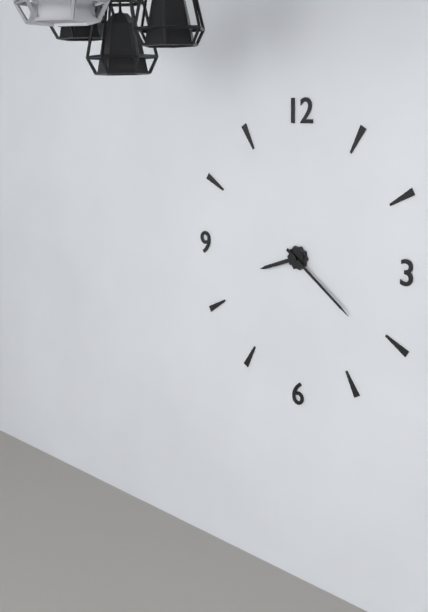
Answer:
8h21
